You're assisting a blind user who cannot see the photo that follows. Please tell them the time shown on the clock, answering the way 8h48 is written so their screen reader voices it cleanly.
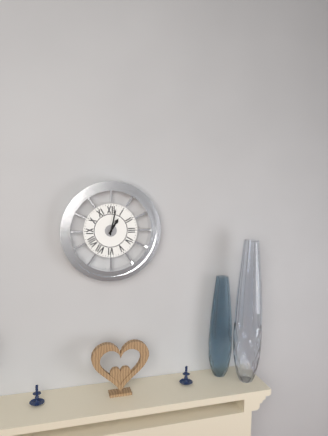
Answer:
1h02
